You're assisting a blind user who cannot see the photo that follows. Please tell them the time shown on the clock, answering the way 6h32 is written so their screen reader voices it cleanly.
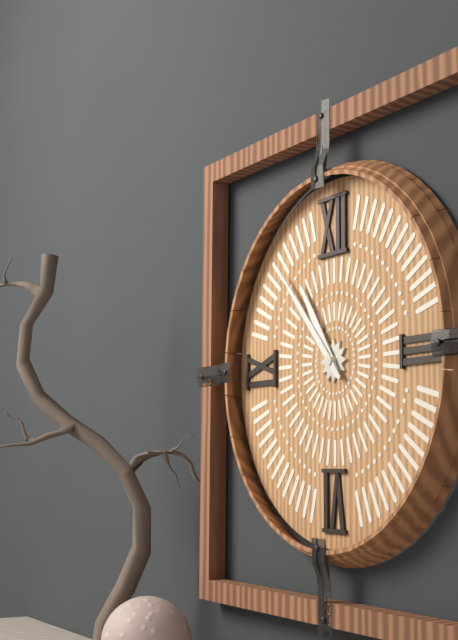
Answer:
10h53
